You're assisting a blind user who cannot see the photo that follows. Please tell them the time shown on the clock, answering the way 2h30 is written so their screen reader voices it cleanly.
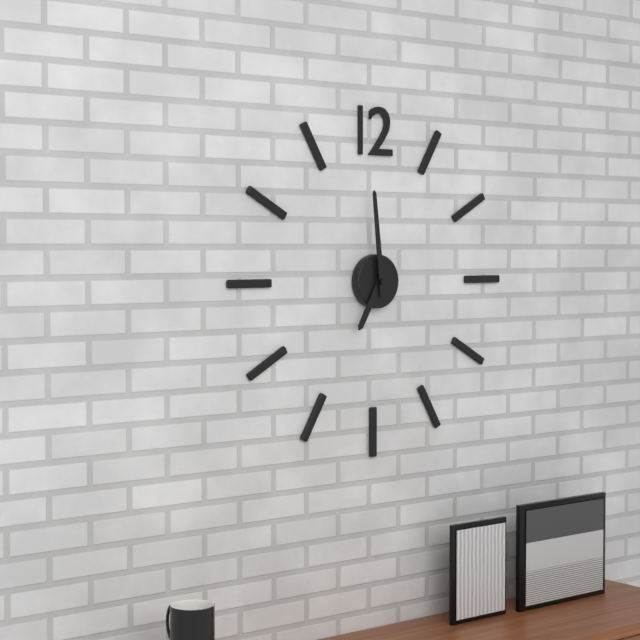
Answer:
6h59
